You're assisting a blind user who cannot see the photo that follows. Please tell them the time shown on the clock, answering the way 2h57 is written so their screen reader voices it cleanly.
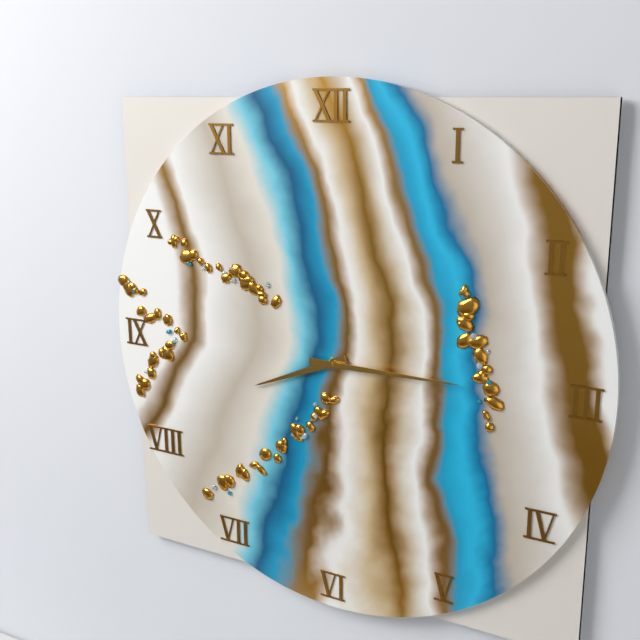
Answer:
8h15
